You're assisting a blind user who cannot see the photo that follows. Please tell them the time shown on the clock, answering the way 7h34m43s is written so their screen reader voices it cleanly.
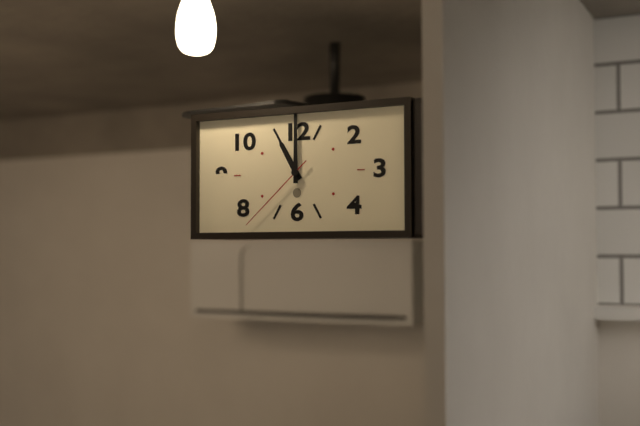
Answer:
11h00m38s
